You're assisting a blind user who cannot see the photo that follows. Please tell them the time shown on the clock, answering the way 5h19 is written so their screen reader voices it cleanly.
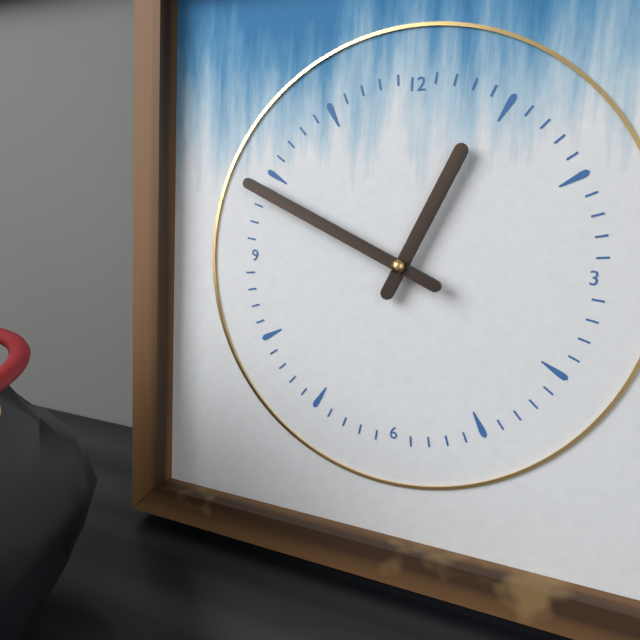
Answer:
12h49
